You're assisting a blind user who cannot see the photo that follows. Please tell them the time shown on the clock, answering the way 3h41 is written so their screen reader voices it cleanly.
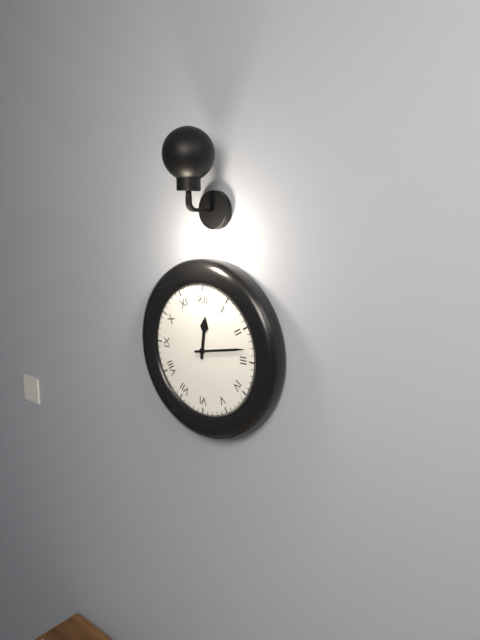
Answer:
12h13
